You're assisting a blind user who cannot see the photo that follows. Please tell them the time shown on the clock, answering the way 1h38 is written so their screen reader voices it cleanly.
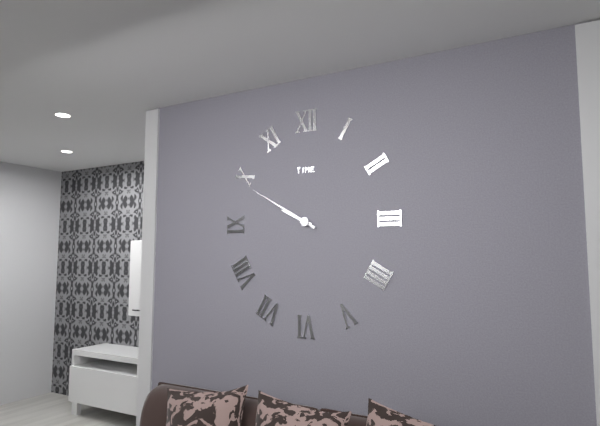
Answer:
9h50
